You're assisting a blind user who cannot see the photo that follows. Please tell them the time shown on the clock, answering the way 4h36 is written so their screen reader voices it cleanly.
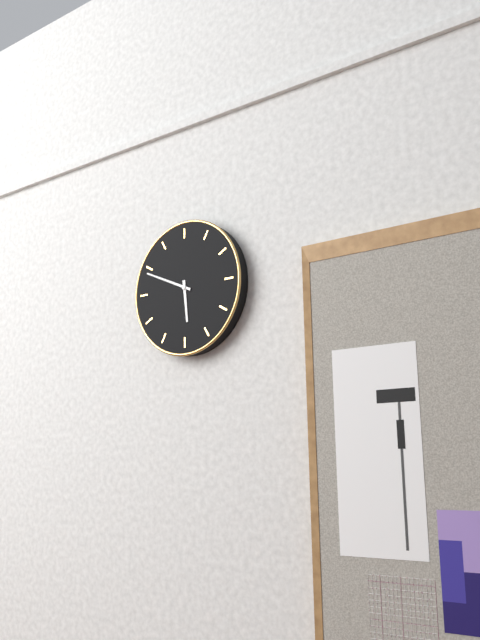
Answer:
5h49
